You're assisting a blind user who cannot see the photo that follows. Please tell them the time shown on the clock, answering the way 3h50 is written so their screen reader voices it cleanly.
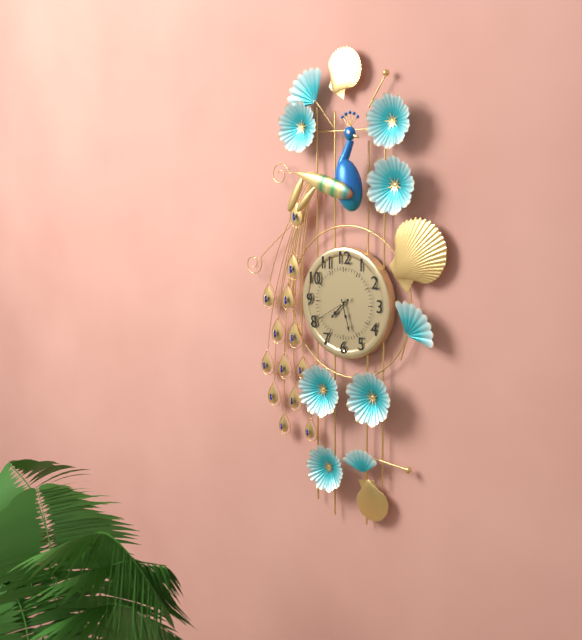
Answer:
7h27
